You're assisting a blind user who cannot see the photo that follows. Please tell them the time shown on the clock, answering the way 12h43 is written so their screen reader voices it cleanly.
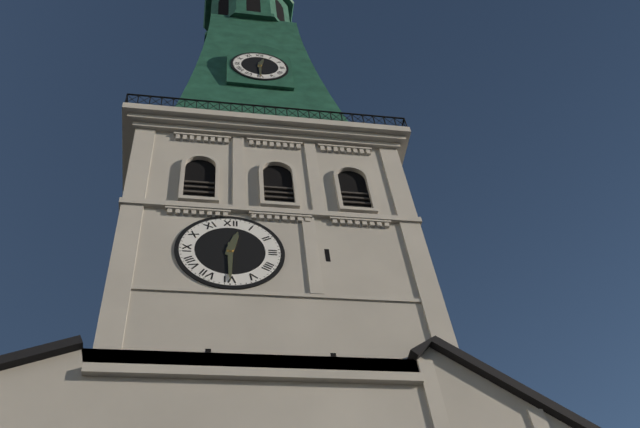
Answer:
12h30
